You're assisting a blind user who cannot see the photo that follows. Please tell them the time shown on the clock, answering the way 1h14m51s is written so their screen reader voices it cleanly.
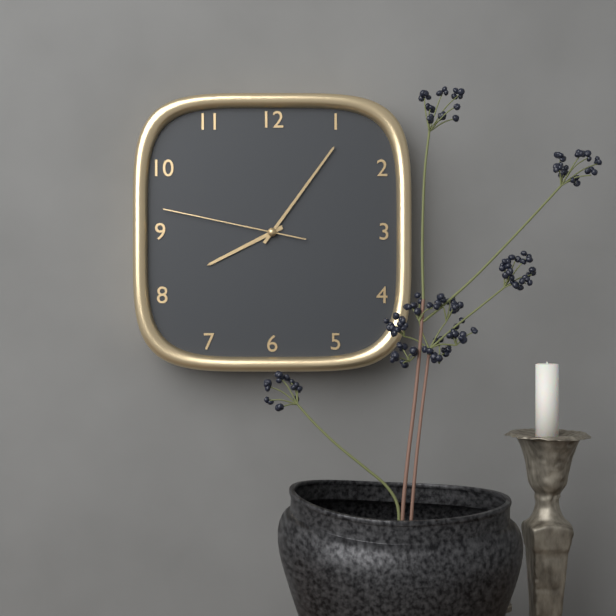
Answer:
8h06m47s
